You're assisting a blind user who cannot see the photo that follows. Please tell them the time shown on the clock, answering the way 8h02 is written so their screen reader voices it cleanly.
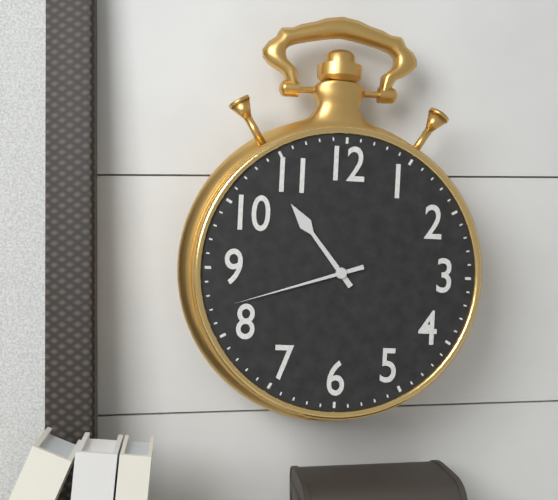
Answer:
10h42
